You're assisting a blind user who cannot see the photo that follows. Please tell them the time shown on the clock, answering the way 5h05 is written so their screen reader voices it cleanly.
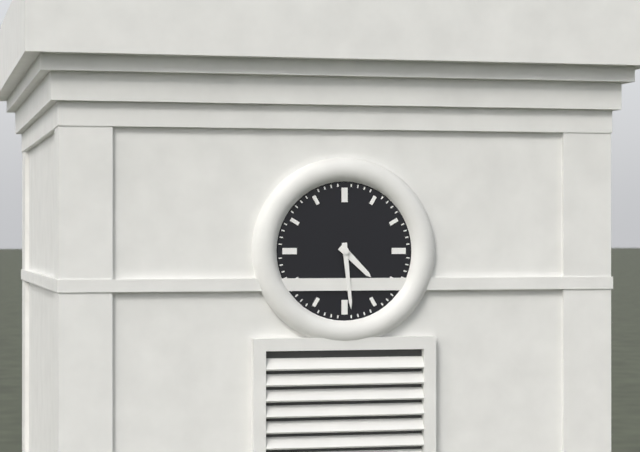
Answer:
4h29
